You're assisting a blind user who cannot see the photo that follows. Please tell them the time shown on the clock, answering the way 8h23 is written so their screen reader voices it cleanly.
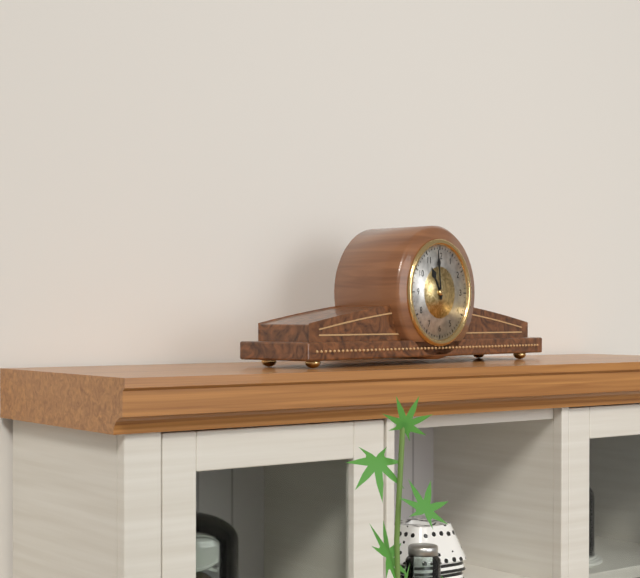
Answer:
10h59
